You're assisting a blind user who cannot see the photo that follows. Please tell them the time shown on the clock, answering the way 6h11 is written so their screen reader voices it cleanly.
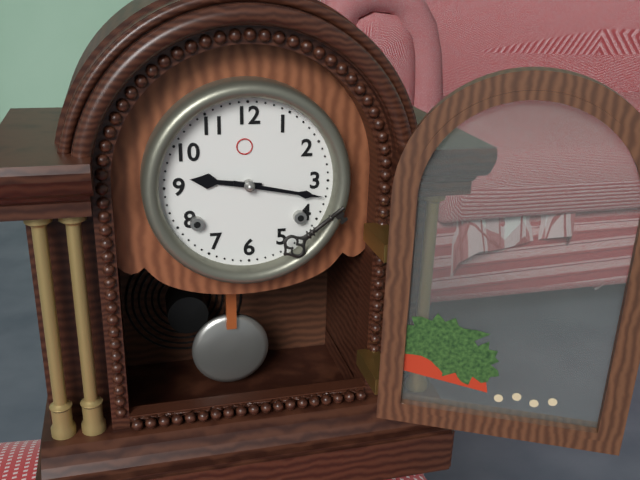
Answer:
9h17
